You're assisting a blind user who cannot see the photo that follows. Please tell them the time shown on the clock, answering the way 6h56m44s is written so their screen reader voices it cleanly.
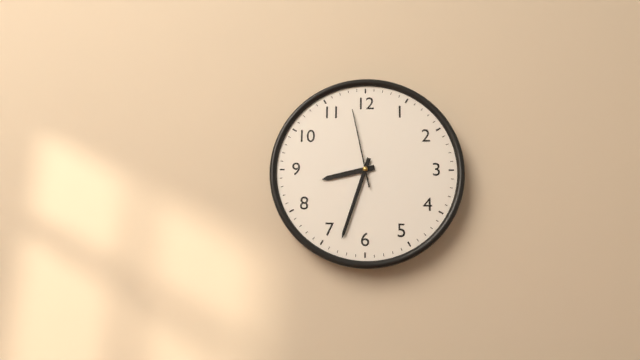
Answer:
8h33m58s
